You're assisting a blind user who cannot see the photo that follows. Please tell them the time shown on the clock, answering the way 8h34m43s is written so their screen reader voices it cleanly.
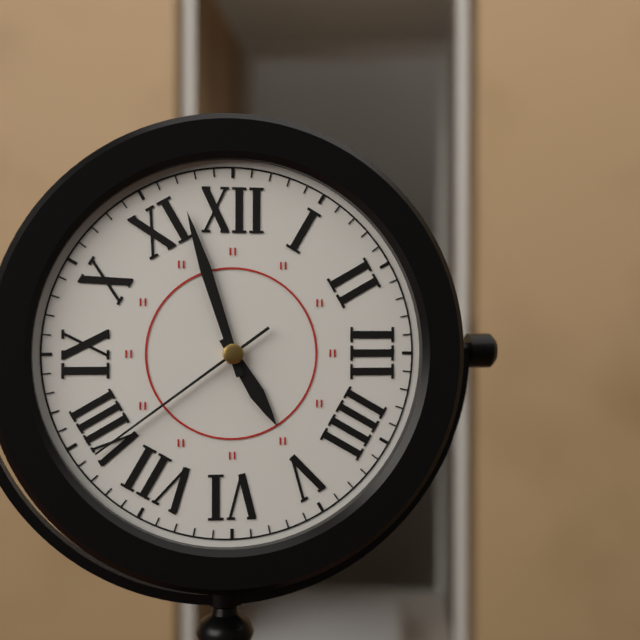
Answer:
4h57m39s
